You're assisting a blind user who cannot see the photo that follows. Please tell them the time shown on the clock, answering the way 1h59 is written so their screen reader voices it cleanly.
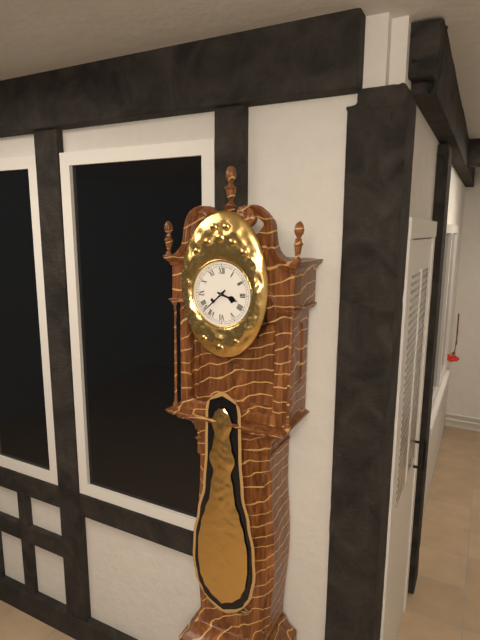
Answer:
3h38
